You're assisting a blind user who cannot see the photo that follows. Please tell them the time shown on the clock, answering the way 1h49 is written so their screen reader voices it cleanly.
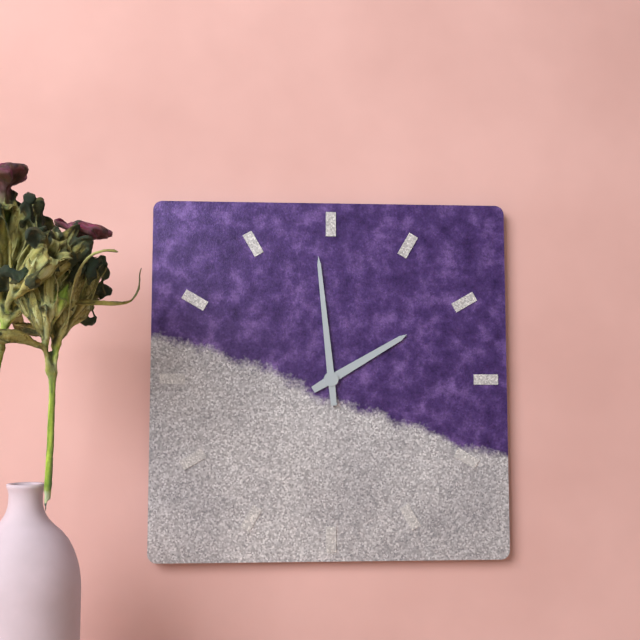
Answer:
1h59
